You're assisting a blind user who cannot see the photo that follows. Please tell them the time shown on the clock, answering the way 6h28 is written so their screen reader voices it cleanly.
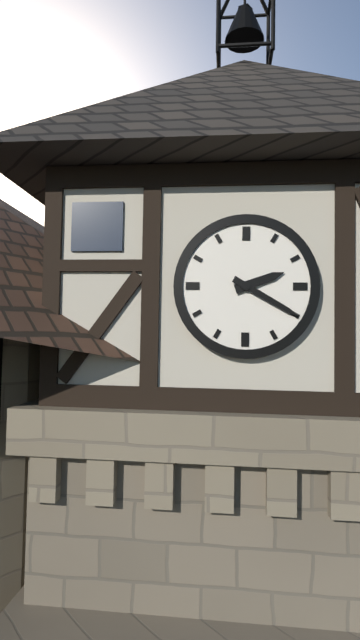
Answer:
2h20
